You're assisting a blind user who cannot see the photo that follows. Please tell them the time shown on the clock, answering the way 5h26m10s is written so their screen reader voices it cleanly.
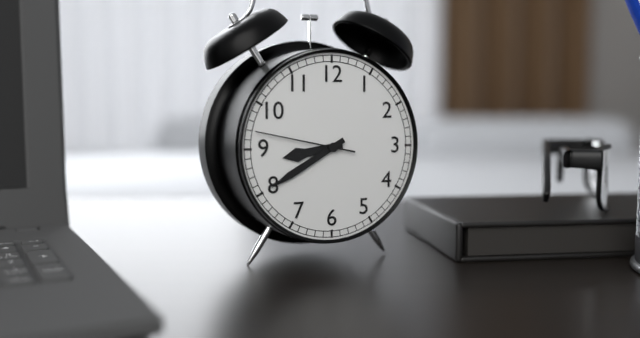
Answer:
8h40m47s
